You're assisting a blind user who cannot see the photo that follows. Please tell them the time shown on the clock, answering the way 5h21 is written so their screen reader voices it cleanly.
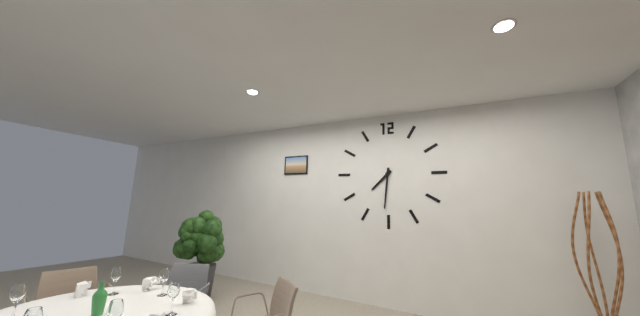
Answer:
7h31
